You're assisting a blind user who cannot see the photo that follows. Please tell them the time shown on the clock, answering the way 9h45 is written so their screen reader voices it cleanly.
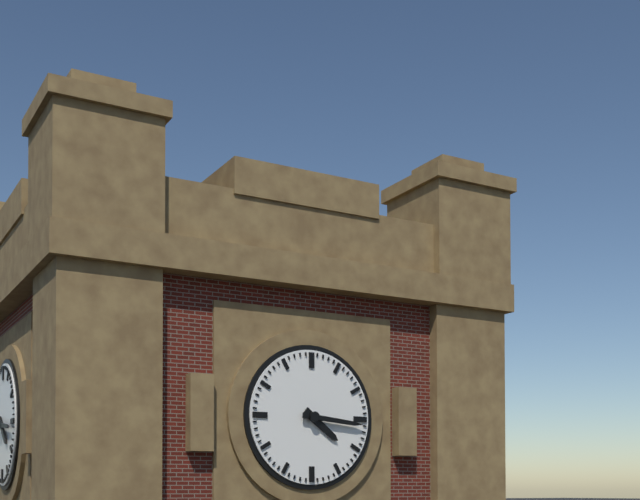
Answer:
4h16
